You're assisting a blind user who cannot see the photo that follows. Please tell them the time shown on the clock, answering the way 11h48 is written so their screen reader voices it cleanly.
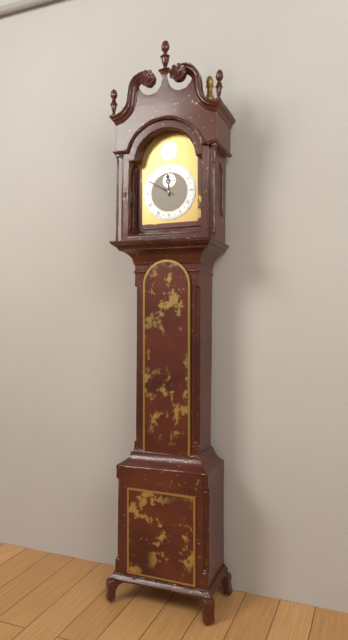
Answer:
11h50
